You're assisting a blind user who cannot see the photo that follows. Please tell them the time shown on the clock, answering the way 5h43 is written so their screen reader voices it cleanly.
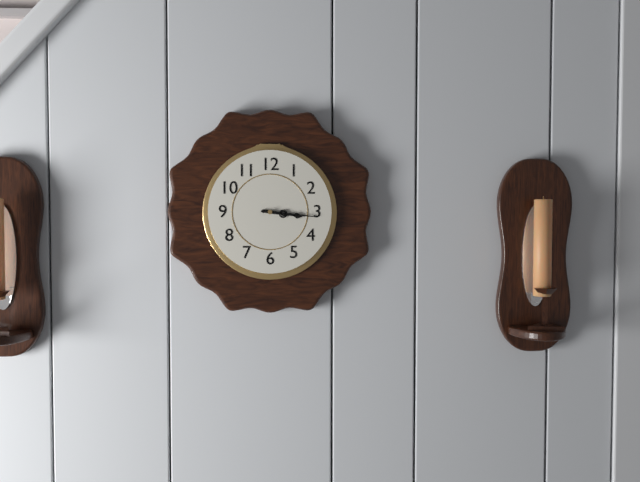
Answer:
3h16
